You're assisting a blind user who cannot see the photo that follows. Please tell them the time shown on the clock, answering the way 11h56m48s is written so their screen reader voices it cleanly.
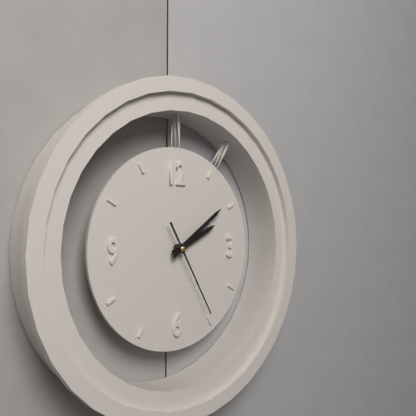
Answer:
2h09m25s
